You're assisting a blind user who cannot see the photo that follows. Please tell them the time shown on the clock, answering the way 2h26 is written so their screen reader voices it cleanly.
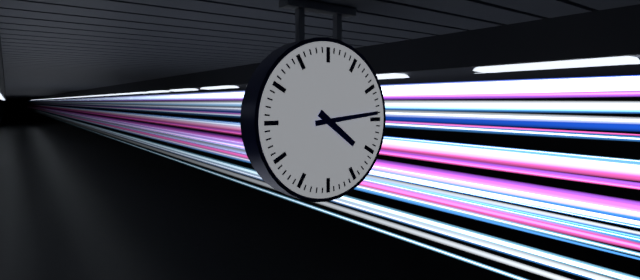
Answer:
4h14
